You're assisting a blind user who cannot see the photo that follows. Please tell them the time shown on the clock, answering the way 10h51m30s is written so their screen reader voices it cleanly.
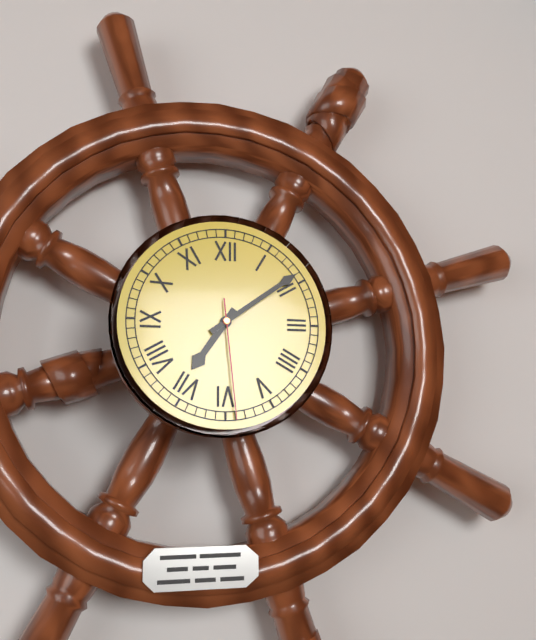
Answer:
7h09m29s
